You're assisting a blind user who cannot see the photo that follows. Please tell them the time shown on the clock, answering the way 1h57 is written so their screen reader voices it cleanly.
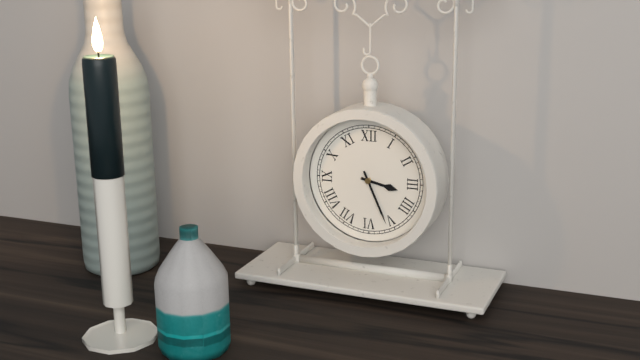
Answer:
3h26
